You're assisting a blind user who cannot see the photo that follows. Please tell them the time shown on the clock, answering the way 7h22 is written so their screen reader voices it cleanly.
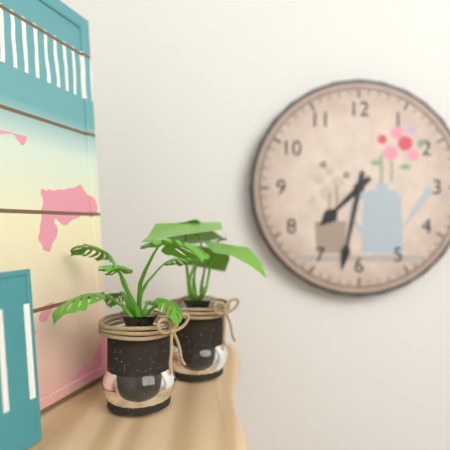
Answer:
7h32
